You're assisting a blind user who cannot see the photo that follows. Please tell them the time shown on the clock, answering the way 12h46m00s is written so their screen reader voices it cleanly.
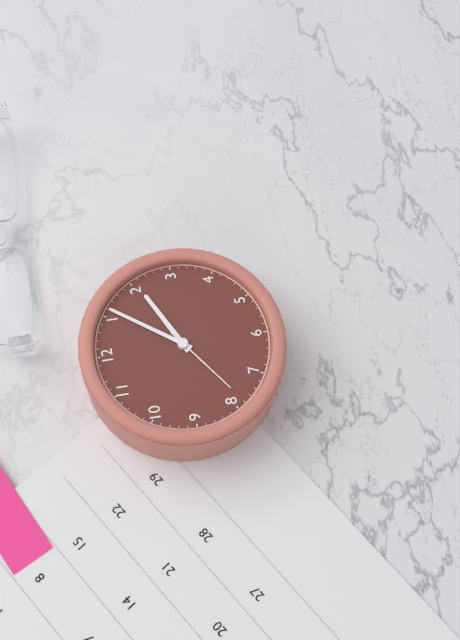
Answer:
2h06m39s
